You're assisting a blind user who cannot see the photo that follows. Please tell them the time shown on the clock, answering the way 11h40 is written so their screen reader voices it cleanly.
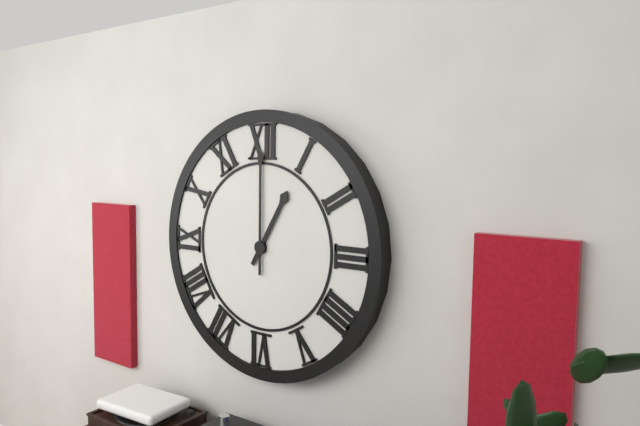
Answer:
1h00
